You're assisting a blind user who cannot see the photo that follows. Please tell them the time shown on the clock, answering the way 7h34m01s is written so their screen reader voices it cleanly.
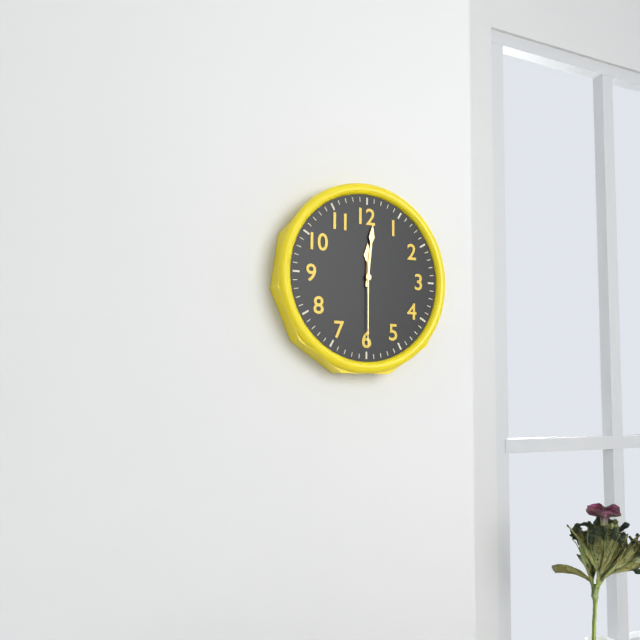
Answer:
12h01m30s
